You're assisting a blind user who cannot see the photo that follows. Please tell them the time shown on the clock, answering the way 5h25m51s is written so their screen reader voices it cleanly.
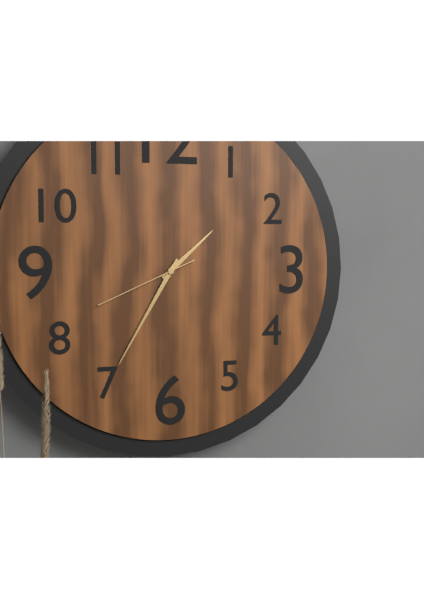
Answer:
1h35m41s
